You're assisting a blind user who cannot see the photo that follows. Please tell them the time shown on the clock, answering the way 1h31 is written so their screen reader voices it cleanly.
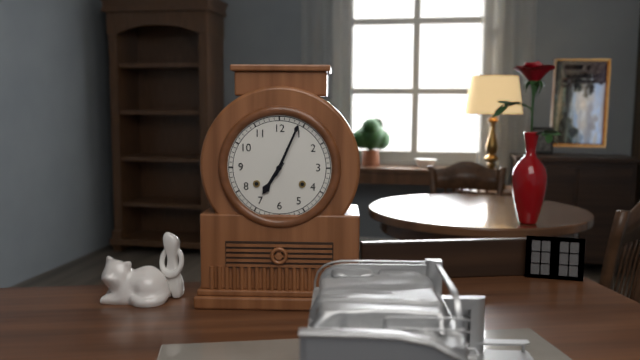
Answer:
7h04
